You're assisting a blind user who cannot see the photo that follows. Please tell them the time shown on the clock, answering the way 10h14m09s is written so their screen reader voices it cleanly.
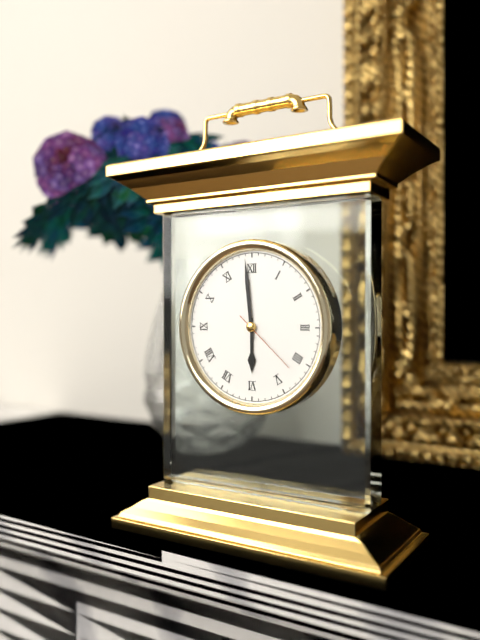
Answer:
5h59m22s
